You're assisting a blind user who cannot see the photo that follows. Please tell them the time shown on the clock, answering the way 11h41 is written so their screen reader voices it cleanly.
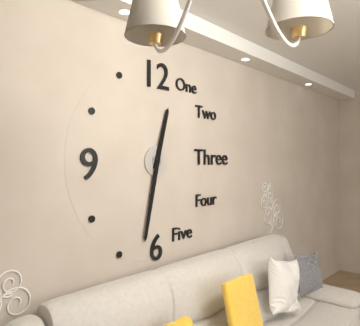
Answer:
12h32
